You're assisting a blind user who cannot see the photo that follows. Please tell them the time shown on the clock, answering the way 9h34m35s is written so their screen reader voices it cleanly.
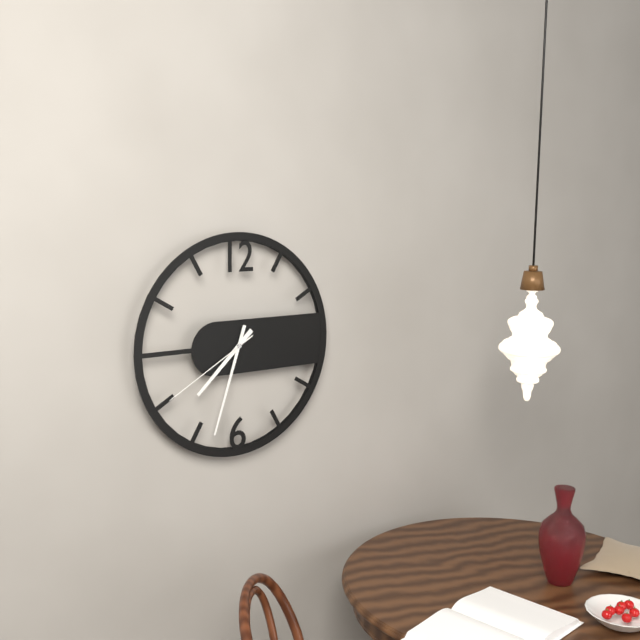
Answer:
7h33m40s
